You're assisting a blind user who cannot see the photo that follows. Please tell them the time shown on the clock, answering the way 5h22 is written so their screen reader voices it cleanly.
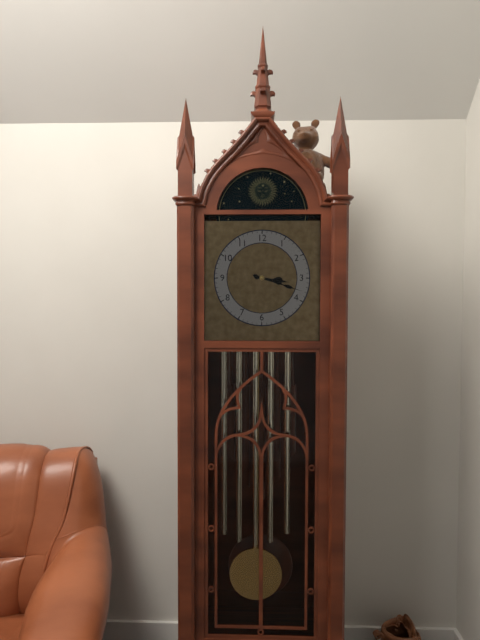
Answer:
3h18
